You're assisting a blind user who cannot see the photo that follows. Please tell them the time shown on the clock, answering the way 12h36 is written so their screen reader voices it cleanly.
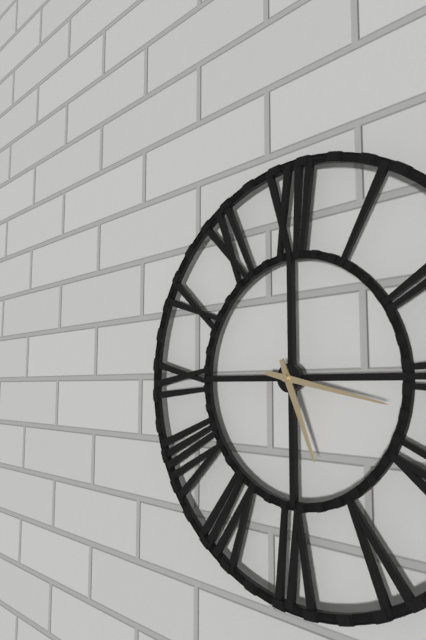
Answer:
5h17
